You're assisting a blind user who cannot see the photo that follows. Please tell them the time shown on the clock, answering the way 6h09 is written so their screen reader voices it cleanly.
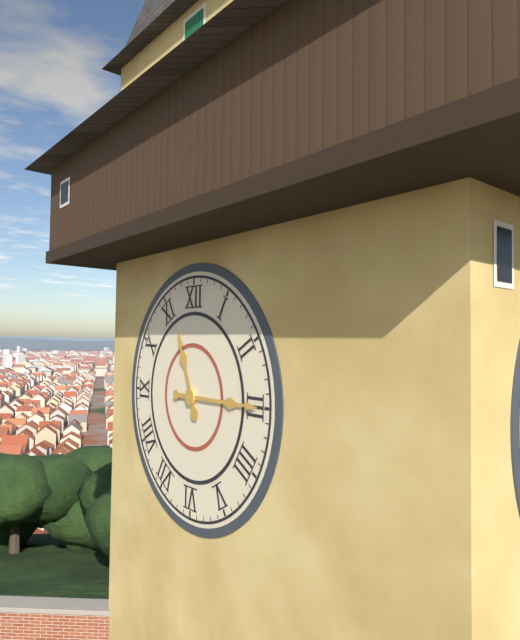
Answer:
11h15
